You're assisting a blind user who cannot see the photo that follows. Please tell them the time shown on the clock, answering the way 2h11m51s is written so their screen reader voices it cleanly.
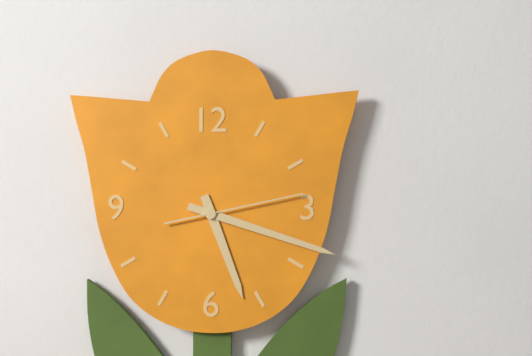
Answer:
5h18m13s
